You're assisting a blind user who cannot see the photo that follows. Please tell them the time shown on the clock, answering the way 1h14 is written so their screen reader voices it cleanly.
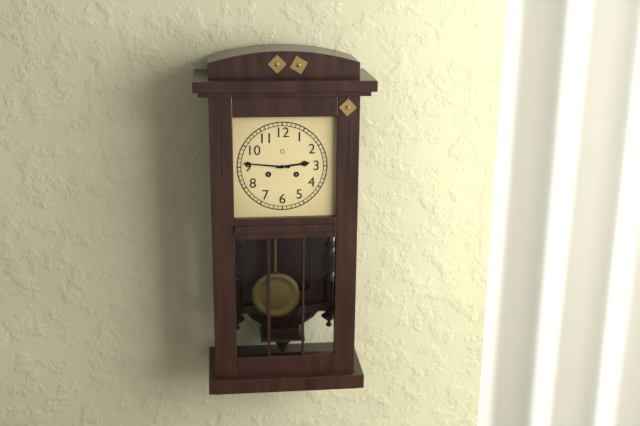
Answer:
2h46
